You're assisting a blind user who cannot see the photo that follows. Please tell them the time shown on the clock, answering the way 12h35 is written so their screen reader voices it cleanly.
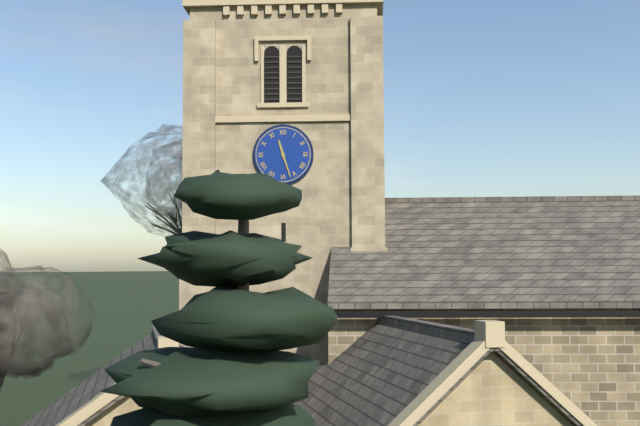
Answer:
11h27
